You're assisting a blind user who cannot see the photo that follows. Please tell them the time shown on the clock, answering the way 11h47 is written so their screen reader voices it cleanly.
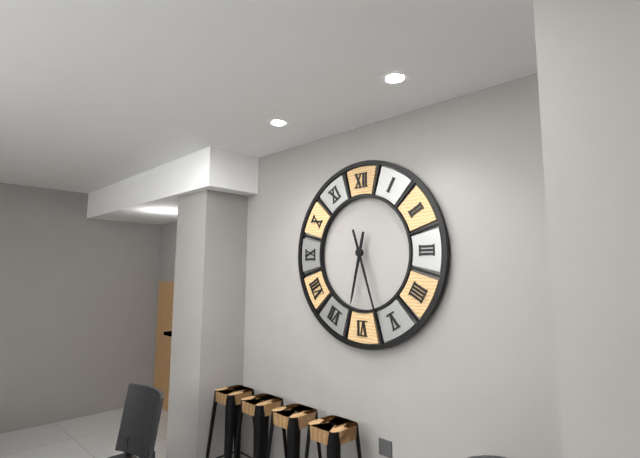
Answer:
6h27
